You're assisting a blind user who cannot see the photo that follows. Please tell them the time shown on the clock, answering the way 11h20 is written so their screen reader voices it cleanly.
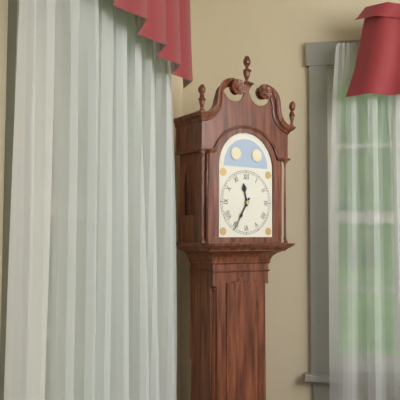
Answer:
11h35
